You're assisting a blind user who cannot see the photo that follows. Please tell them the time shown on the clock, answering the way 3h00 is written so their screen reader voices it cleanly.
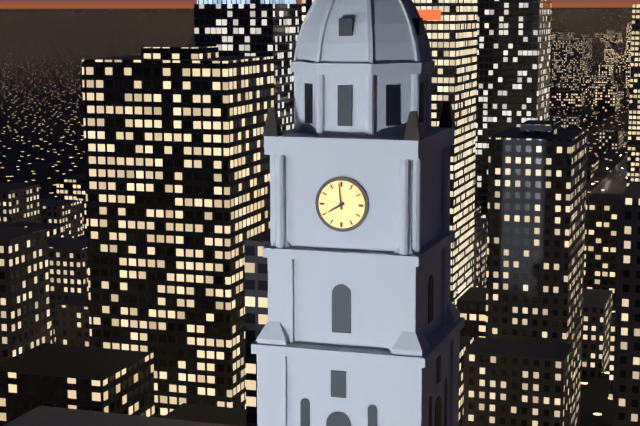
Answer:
7h59
